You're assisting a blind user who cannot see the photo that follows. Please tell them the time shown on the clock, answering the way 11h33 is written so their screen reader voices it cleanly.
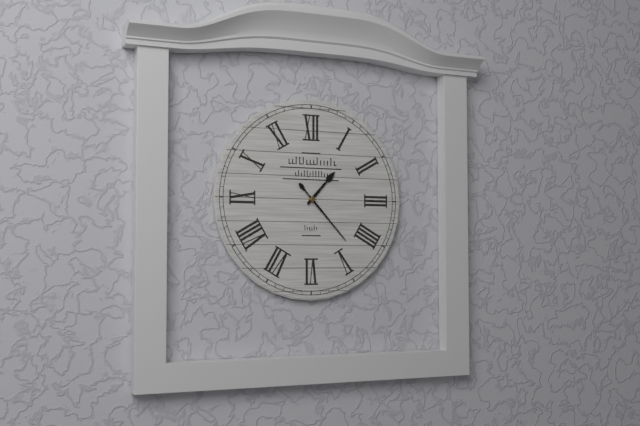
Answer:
1h23
